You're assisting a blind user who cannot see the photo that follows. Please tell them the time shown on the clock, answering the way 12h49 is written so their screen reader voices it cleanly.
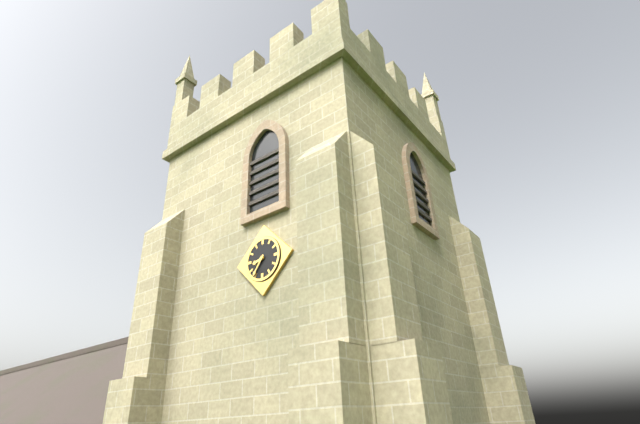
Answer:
8h36
